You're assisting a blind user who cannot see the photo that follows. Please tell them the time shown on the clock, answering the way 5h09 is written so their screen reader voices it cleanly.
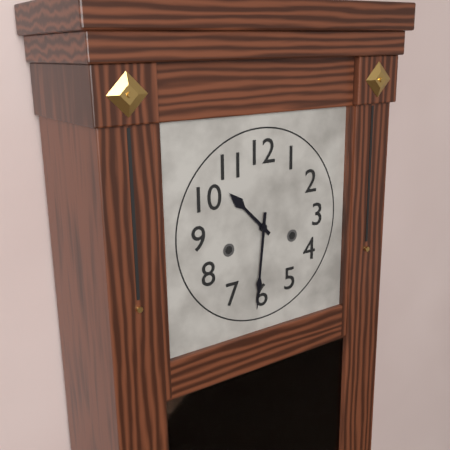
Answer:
10h31
